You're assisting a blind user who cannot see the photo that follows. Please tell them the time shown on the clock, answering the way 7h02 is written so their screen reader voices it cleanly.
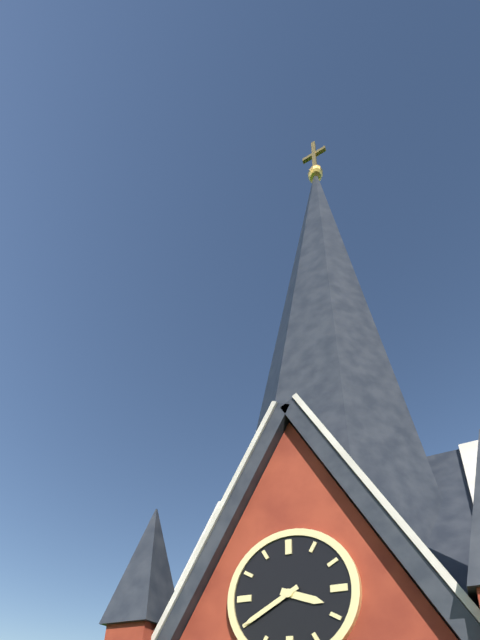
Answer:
3h40
